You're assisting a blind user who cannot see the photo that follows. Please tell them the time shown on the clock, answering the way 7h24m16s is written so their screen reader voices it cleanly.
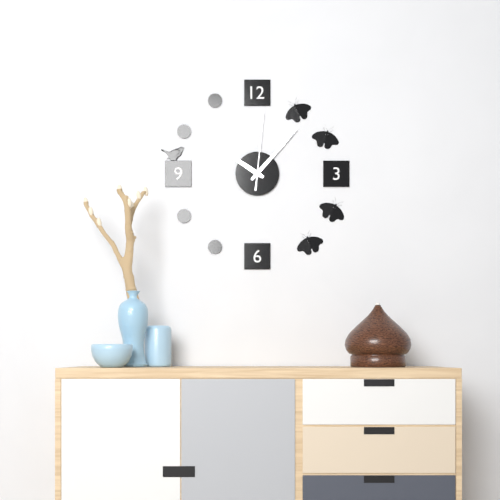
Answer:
10h07m01s
